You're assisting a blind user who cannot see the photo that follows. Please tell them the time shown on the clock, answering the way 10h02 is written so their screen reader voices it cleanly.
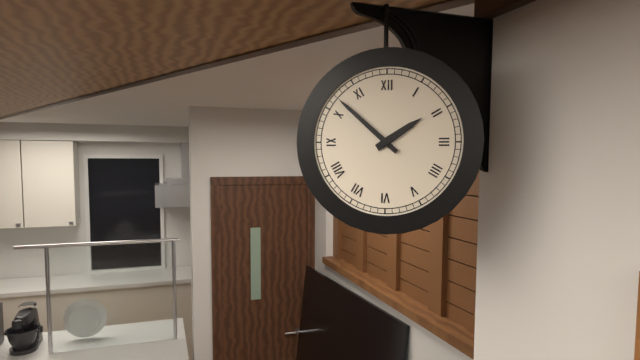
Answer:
1h52
